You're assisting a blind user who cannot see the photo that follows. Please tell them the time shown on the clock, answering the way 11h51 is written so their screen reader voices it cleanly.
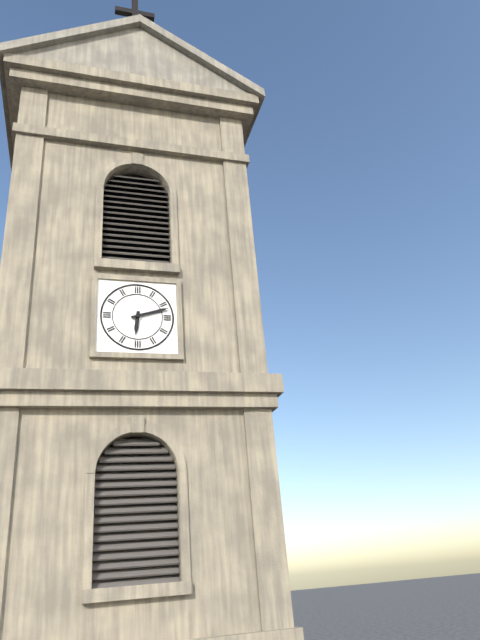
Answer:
6h12
